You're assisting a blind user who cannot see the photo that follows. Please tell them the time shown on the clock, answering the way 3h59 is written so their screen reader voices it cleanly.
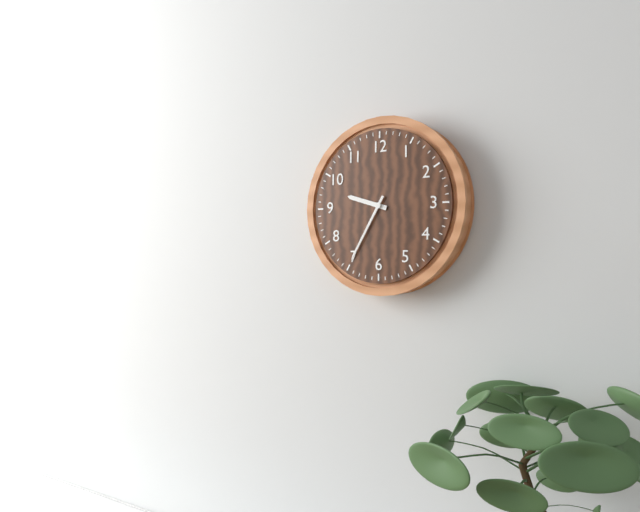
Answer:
9h35
